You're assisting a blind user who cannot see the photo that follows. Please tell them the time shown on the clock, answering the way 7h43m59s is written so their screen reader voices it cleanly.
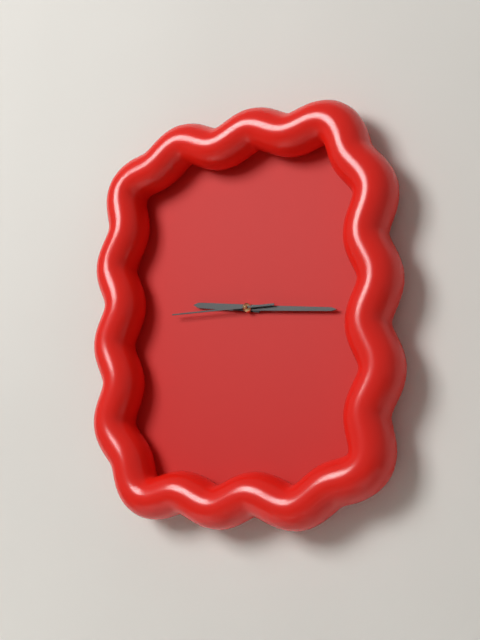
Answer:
9h16m45s
